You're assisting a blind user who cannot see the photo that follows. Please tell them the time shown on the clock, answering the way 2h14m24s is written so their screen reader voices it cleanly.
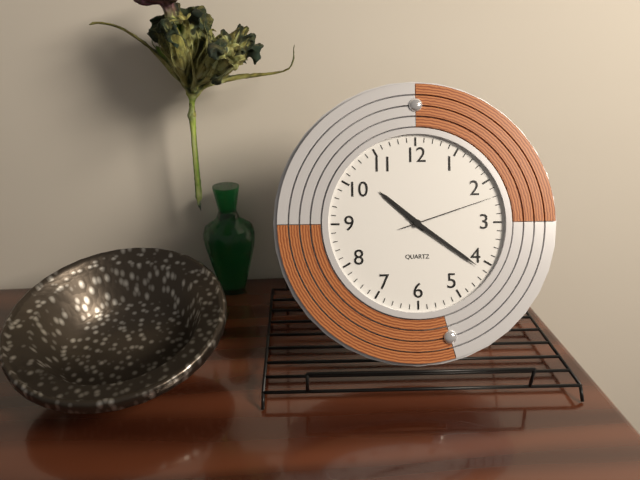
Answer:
10h21m12s
